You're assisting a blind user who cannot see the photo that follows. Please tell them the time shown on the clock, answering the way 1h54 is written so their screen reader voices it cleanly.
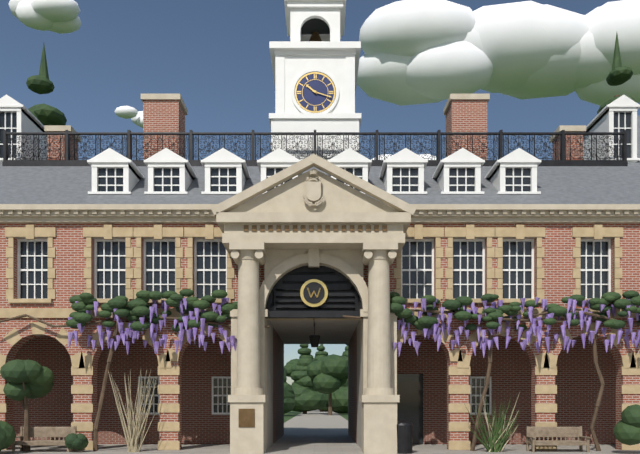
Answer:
10h18
